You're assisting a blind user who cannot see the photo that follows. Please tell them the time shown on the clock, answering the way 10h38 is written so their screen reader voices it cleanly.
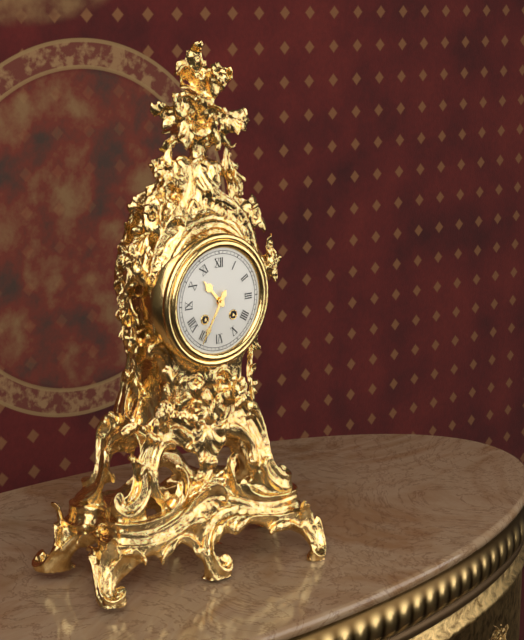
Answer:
10h35
